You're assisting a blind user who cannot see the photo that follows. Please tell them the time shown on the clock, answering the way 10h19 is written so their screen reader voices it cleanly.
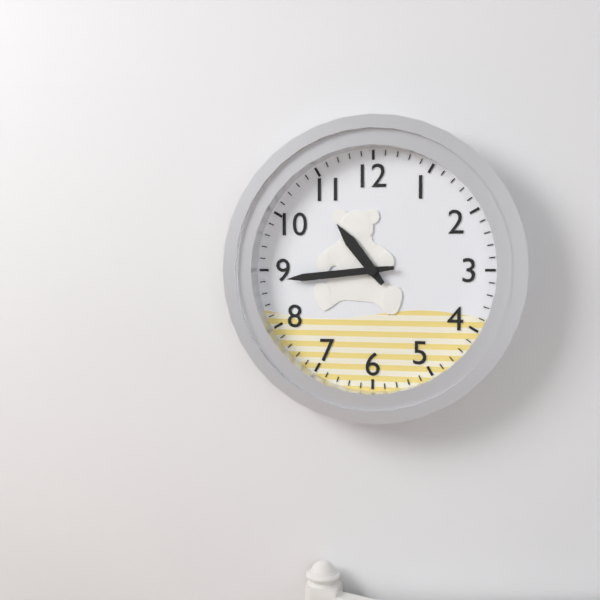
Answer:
10h44
